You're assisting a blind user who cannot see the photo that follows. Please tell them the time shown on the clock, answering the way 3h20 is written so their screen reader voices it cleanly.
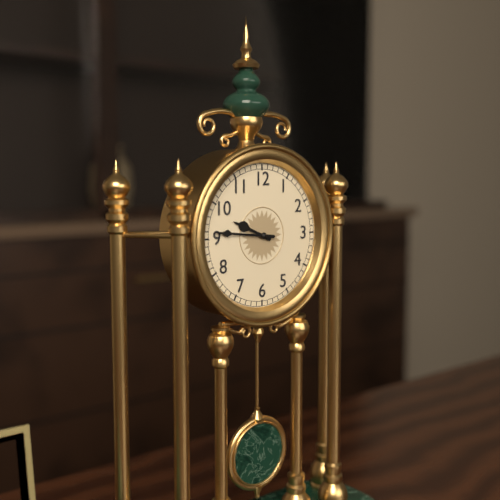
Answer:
9h46
